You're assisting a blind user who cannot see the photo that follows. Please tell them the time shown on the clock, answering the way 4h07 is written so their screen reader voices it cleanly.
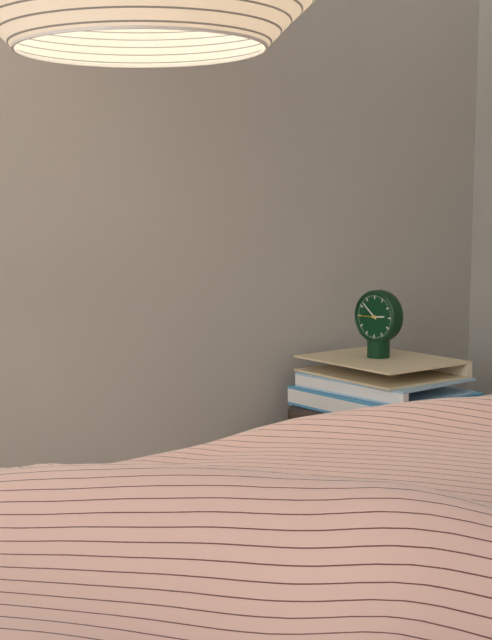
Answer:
2h52
